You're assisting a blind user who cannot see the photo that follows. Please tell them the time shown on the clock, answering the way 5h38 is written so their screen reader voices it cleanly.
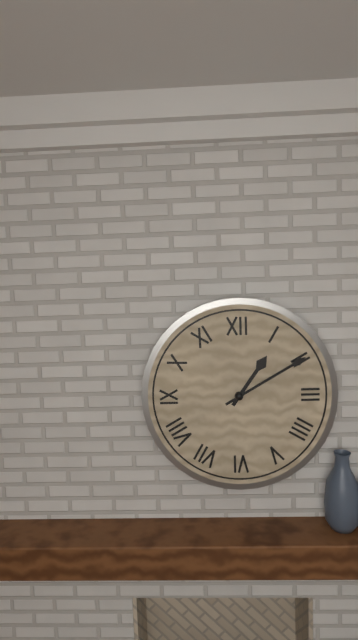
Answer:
1h10
